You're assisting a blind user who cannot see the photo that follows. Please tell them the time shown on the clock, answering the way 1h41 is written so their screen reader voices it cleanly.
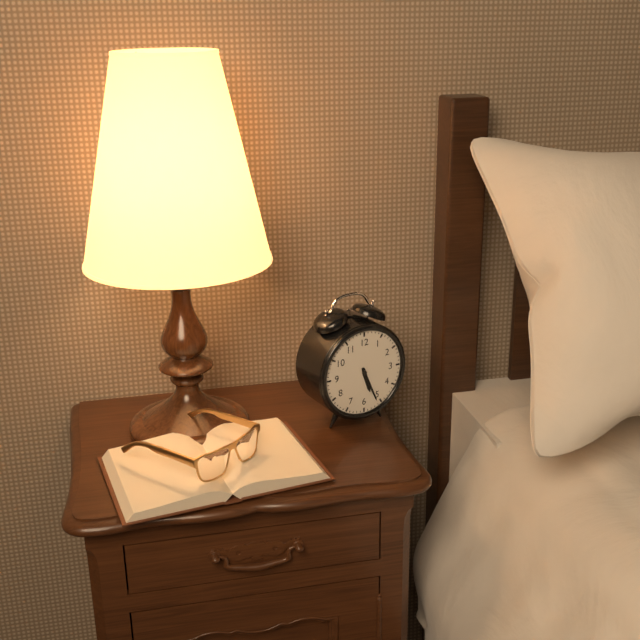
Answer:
5h26
